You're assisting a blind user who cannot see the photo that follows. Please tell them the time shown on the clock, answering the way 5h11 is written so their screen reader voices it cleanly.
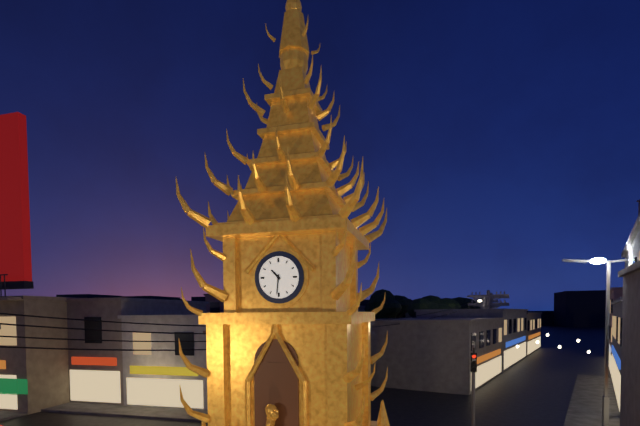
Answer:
10h31
